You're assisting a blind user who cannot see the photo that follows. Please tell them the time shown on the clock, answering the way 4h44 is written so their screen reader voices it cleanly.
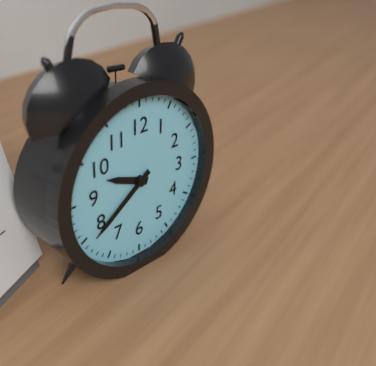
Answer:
9h39
